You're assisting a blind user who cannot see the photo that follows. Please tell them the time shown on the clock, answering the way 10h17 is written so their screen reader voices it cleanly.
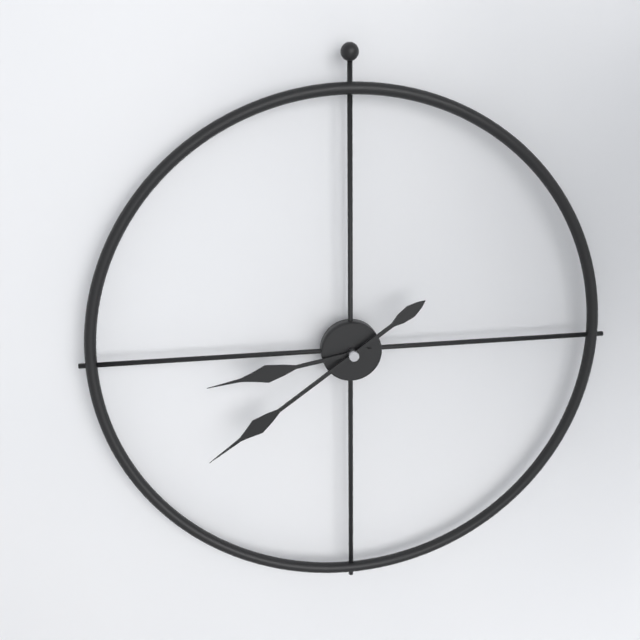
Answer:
8h39
